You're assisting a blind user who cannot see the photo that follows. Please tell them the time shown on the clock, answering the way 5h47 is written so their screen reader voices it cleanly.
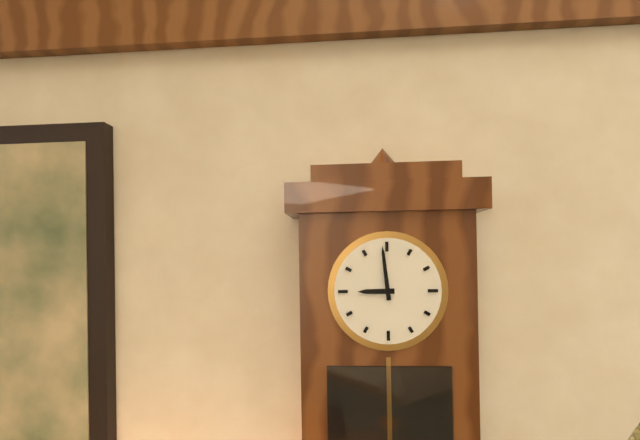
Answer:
8h59
